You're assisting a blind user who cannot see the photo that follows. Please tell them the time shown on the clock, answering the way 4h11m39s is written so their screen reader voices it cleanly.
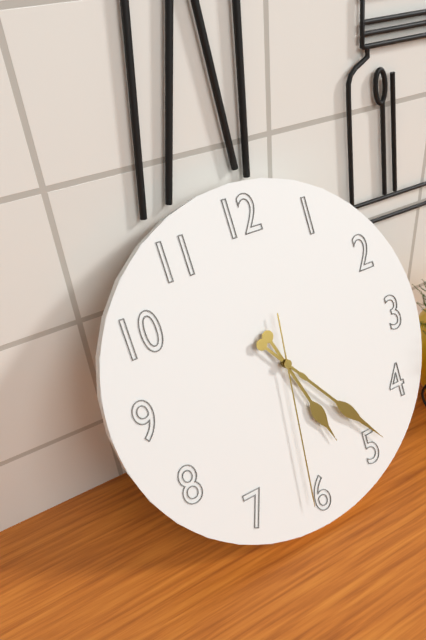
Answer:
5h24m31s
